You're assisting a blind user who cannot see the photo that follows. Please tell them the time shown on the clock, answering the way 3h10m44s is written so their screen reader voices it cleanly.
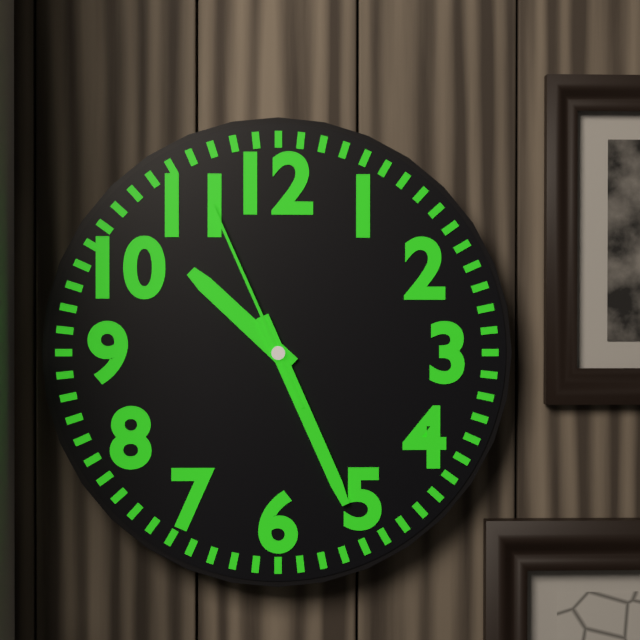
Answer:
10h26m56s
